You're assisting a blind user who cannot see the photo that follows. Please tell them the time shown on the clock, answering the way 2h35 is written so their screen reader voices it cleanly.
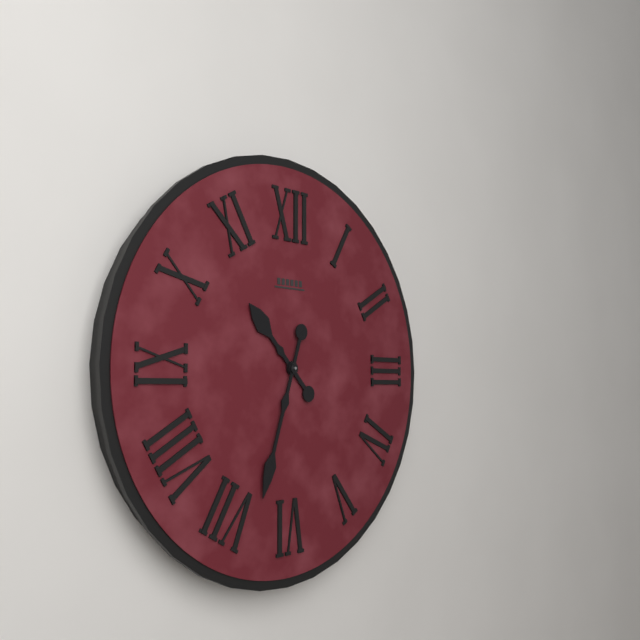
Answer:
10h33
